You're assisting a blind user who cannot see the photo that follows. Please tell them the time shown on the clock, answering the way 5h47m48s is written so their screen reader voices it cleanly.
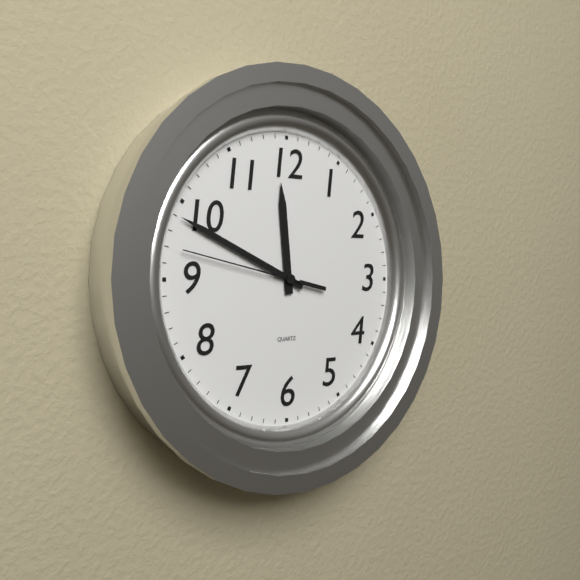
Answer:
11h49m47s
